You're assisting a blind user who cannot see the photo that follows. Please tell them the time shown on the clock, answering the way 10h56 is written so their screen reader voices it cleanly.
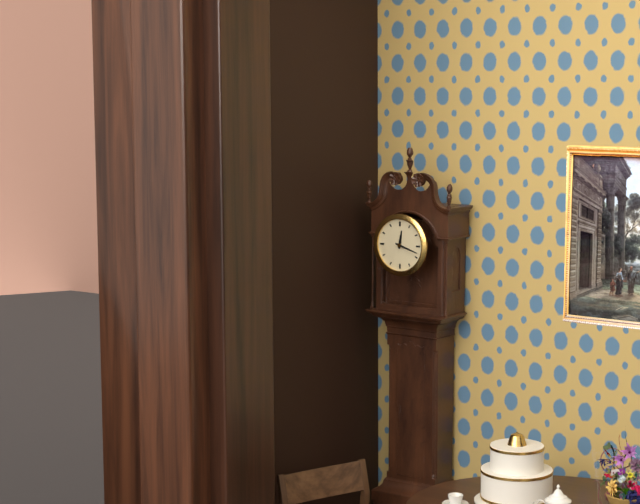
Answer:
12h18
